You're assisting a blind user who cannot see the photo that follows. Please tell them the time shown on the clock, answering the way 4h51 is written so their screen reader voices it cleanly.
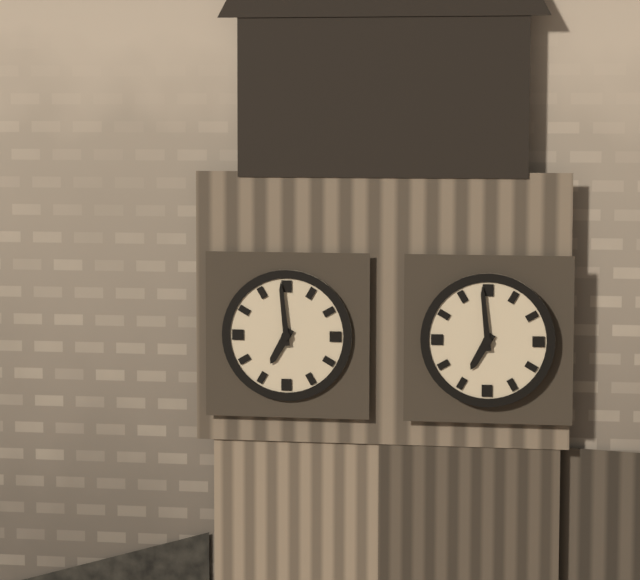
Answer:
6h59
